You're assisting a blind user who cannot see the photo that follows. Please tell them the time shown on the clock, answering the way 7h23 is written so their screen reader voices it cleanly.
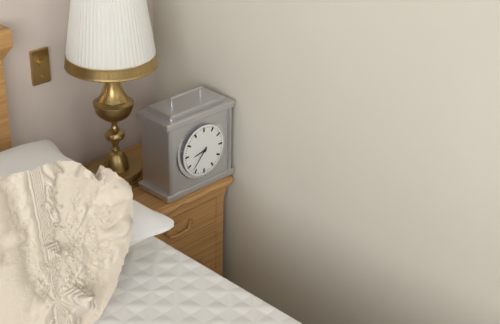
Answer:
8h37
